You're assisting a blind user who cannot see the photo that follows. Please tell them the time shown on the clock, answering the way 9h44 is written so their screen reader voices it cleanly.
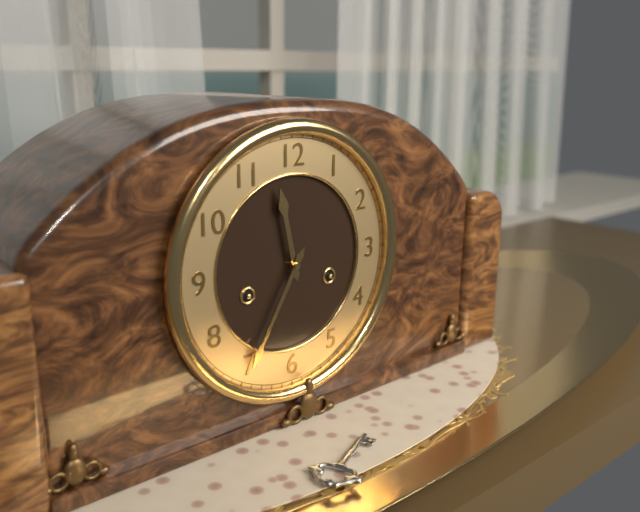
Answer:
11h35
